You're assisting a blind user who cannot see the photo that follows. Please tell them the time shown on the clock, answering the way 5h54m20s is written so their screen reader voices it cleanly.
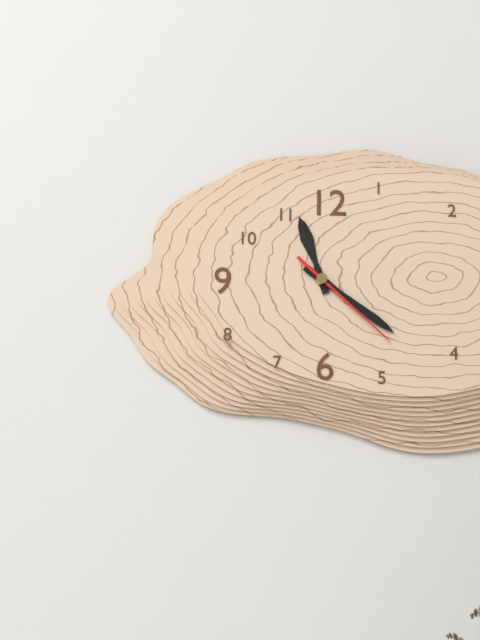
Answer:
11h21m22s
